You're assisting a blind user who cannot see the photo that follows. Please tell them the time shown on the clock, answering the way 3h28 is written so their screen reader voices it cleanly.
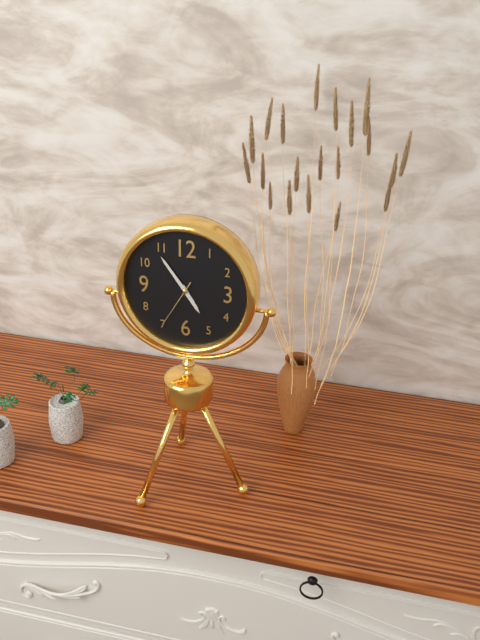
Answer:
4h54
